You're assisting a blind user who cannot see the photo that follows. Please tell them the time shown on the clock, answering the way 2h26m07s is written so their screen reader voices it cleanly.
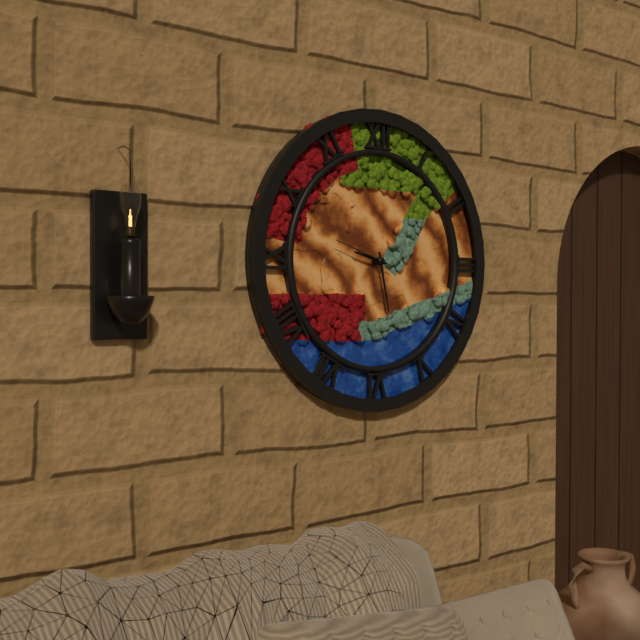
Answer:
9h28m48s
